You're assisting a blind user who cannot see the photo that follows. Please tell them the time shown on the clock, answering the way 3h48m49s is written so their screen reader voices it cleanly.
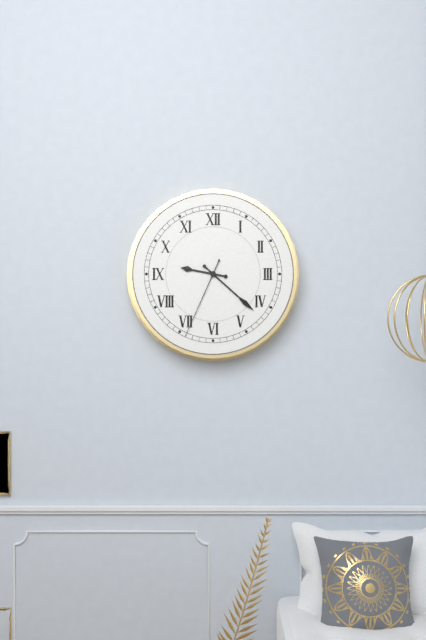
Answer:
9h22m34s
